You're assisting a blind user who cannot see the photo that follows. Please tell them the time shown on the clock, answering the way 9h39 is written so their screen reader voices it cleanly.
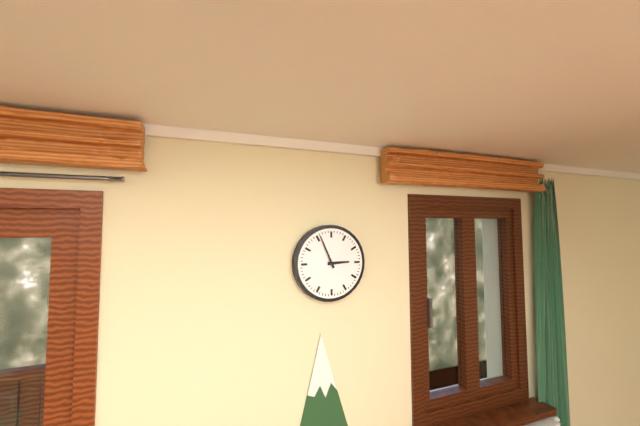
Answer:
2h56
